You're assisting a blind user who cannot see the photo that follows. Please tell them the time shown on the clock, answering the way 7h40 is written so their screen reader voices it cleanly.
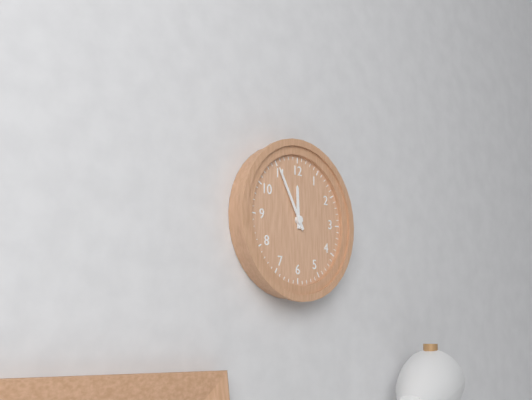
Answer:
11h55
